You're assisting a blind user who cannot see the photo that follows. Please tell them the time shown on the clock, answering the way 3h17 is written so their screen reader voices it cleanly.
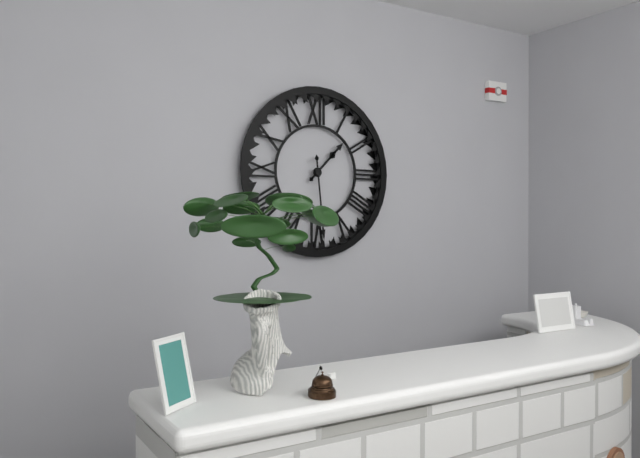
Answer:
1h29
